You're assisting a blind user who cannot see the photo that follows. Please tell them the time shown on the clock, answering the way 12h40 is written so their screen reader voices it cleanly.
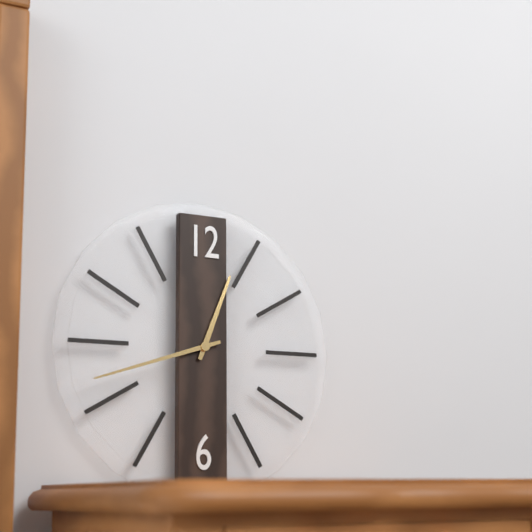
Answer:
12h42
